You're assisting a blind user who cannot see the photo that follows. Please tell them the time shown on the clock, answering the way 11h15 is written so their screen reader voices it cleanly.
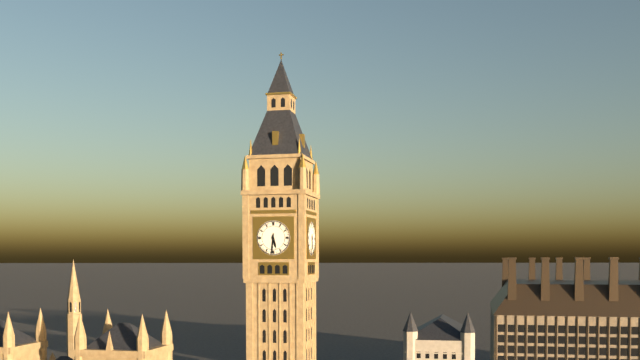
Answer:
5h31
